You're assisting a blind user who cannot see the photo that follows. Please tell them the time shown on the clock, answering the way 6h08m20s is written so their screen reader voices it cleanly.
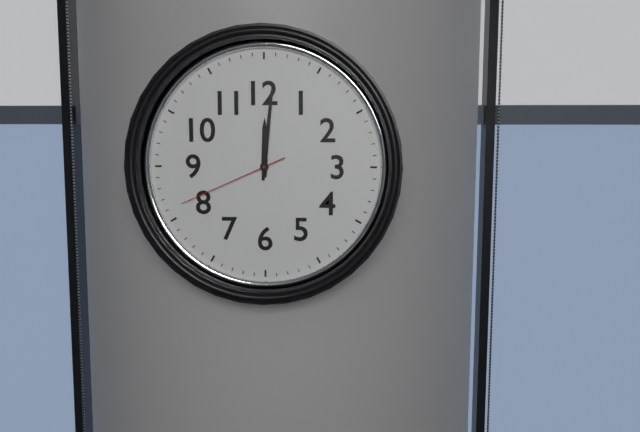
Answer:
12h01m41s
